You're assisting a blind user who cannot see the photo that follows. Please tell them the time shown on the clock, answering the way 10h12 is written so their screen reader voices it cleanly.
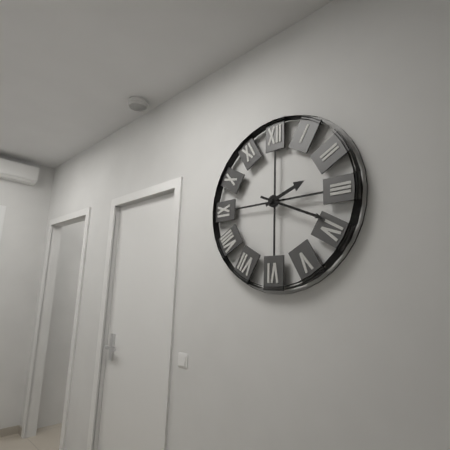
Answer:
2h19
